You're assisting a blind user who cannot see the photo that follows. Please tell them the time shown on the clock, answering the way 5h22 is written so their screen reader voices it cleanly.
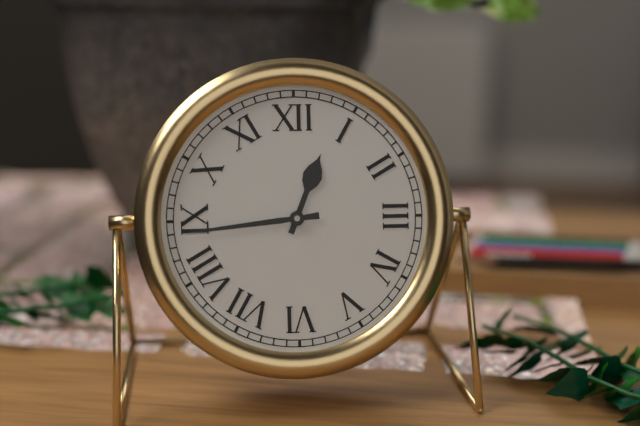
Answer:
12h44
